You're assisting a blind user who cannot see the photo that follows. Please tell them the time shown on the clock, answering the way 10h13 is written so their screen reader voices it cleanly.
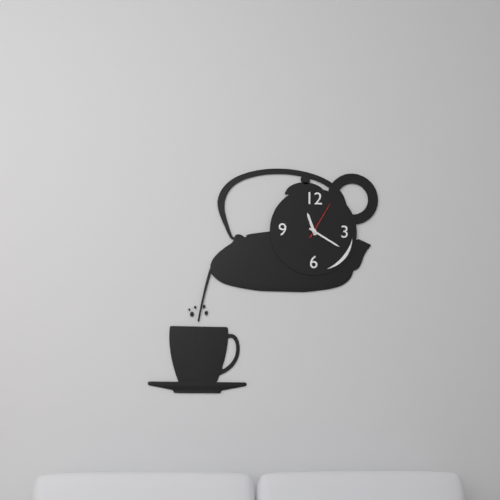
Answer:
11h20
